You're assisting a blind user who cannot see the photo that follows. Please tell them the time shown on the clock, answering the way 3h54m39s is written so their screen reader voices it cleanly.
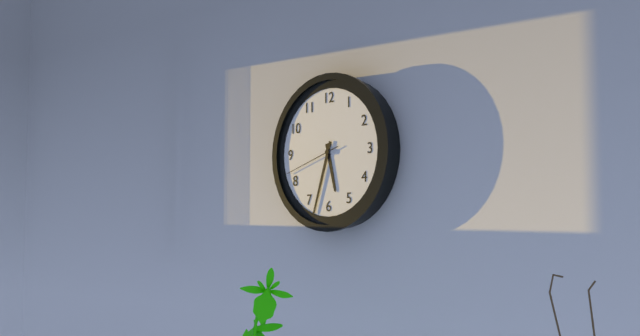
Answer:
5h33m42s
